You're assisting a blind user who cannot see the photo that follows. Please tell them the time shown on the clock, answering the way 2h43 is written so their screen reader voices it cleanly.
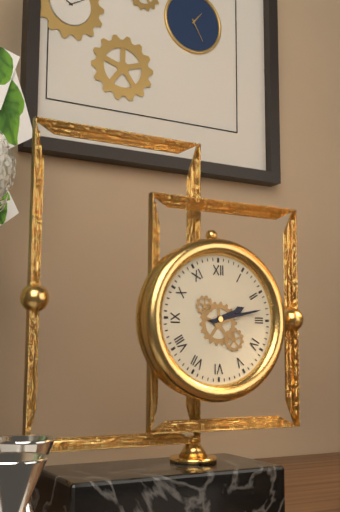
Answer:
2h13
